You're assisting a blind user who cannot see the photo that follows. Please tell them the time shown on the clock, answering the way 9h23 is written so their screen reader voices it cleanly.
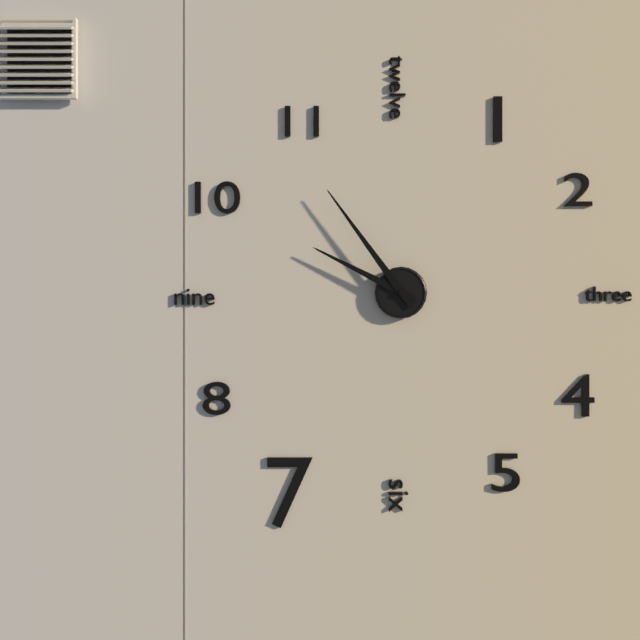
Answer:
9h54
